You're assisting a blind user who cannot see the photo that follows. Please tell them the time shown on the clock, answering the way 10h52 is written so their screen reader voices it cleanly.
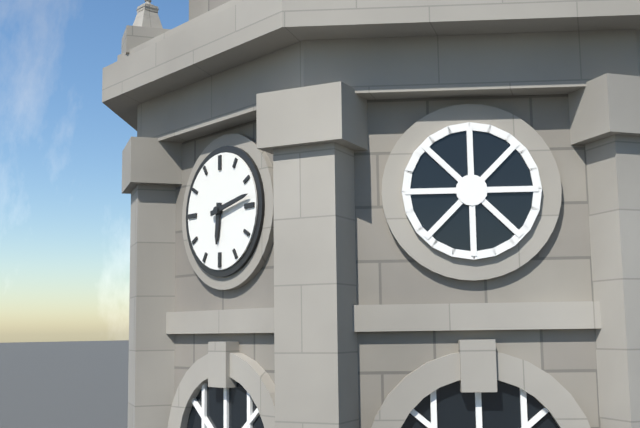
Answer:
6h13
